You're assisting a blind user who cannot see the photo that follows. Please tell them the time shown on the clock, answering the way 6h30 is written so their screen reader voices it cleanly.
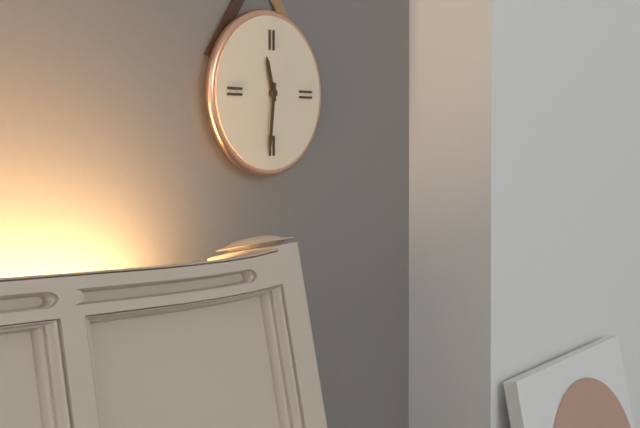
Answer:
11h31
